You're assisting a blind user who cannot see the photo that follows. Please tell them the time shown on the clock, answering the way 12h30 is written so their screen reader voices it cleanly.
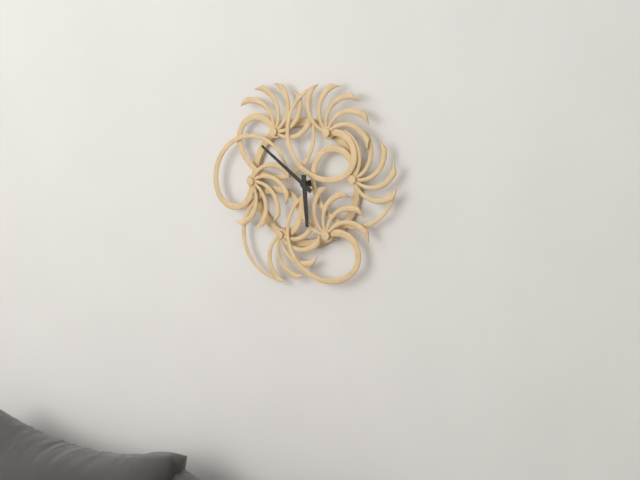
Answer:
5h51
